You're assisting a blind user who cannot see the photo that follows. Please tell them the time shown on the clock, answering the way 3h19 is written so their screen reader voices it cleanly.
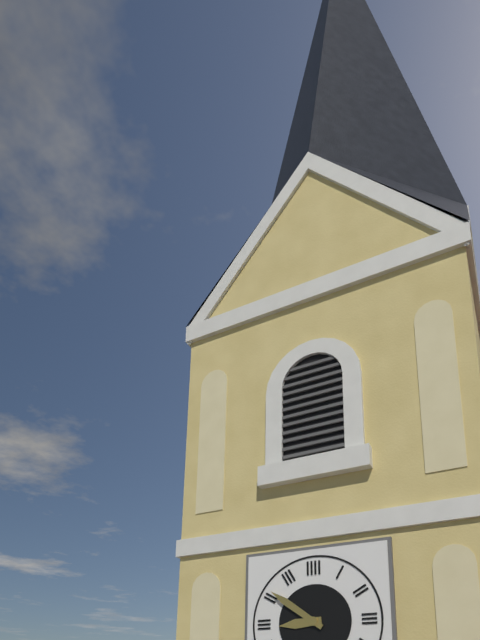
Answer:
8h51
